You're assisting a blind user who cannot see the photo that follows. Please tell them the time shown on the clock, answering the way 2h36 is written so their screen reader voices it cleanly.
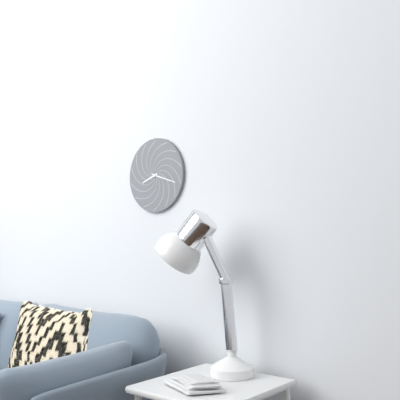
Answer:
8h18
